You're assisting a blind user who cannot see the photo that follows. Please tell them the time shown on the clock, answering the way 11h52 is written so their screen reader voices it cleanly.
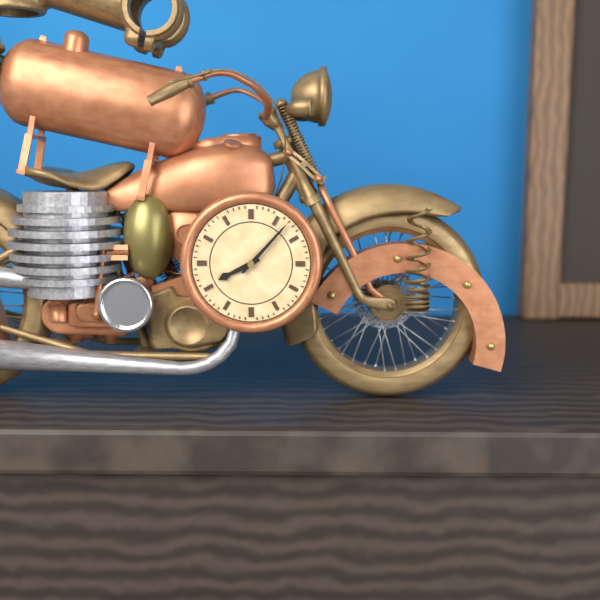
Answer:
8h07
